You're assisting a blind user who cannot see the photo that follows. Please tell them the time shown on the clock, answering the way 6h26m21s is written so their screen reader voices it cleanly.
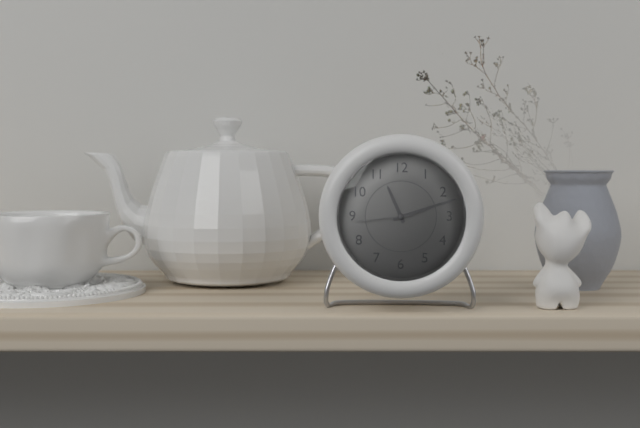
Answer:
11h12m44s
